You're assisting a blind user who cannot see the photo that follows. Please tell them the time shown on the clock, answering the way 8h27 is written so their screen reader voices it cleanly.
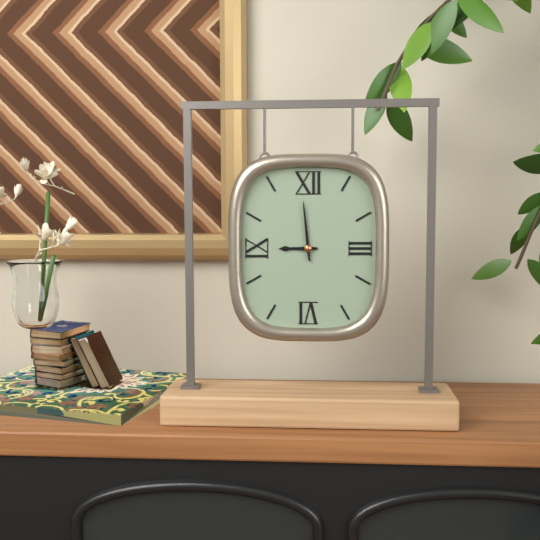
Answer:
8h59
